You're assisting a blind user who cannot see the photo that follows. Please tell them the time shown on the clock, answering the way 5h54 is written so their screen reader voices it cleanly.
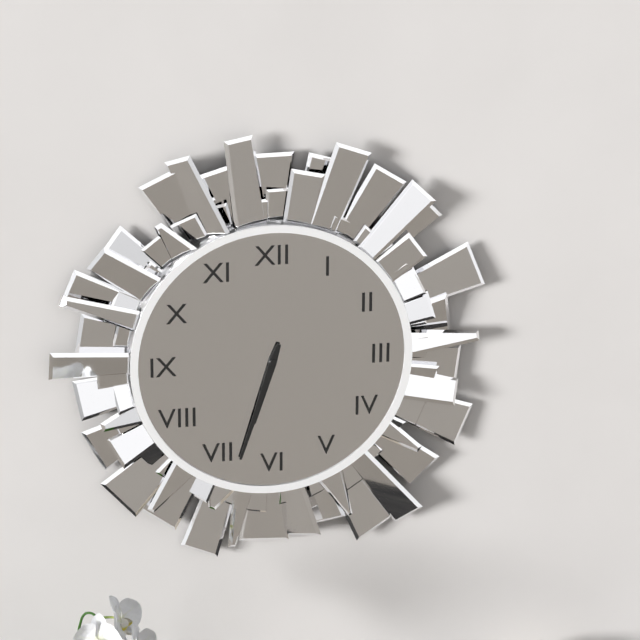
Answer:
6h33
